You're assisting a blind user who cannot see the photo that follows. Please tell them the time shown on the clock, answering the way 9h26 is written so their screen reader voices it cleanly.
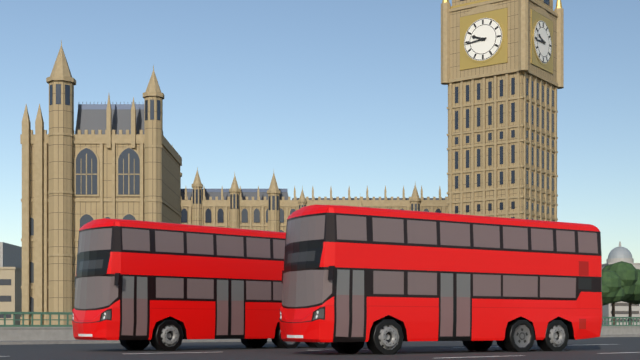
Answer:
9h44
